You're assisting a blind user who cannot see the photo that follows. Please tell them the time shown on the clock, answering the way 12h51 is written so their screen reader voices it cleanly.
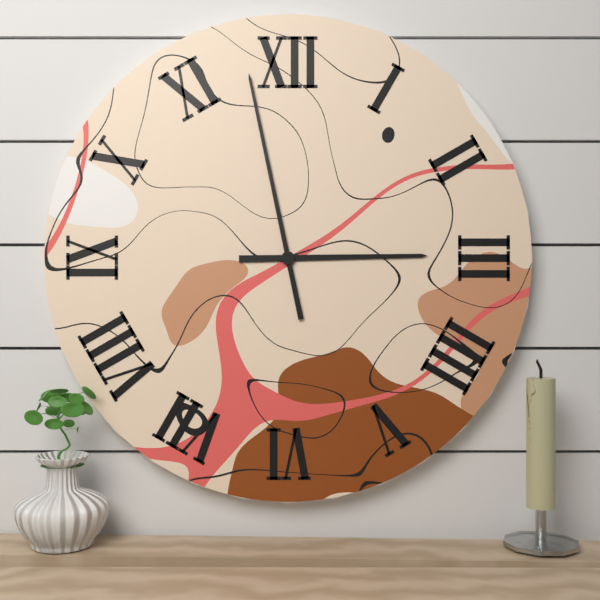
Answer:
2h58
